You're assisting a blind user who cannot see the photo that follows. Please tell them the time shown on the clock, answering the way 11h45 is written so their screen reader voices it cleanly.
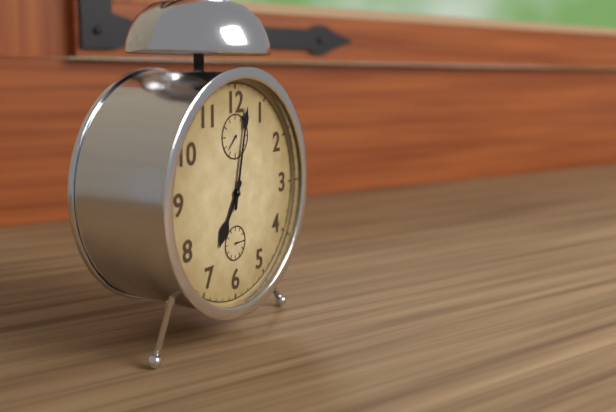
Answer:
7h02
